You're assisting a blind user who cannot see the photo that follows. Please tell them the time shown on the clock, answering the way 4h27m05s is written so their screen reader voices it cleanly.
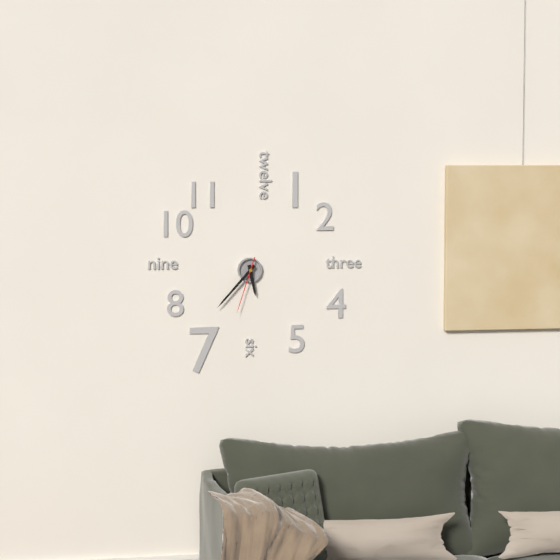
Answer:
5h37m33s
